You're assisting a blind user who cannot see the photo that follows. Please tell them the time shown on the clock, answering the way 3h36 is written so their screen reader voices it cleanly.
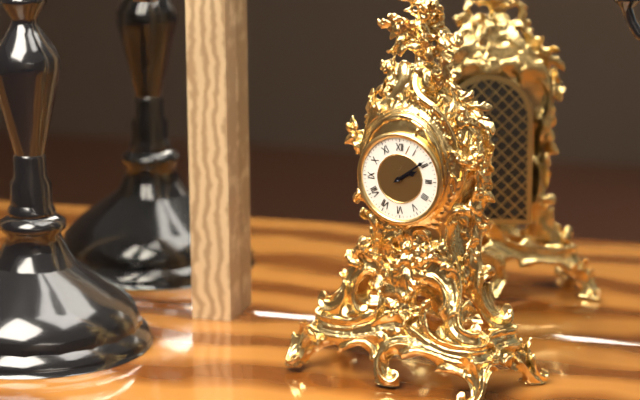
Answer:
2h09
